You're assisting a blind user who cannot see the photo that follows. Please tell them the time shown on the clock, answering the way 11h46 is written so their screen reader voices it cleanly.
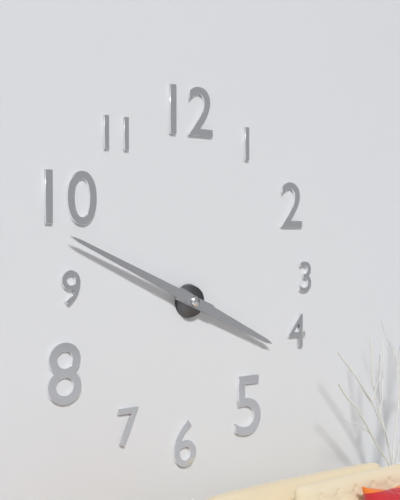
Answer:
3h49
